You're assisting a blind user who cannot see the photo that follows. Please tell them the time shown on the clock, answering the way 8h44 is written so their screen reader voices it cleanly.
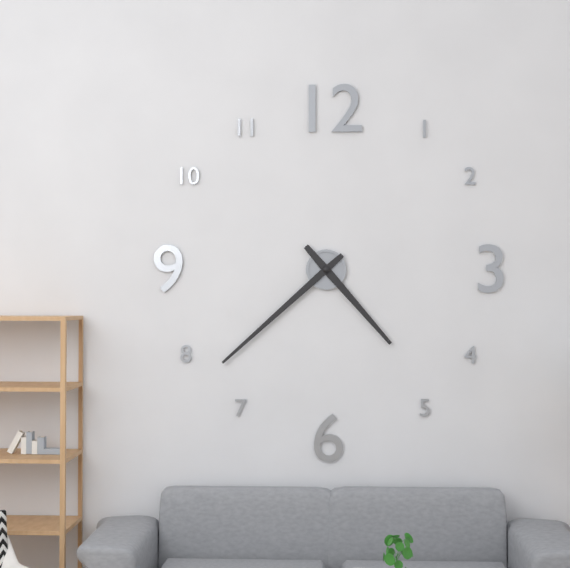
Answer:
4h38
